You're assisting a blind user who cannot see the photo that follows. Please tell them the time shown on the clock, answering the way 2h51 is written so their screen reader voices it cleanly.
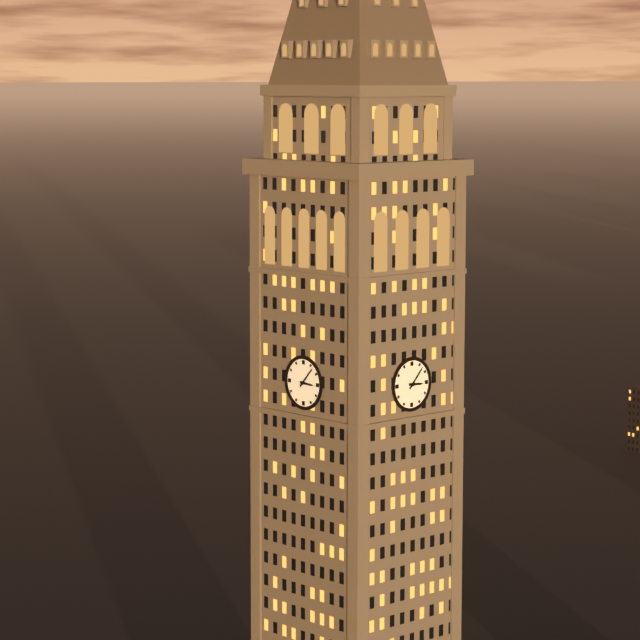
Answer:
3h07
